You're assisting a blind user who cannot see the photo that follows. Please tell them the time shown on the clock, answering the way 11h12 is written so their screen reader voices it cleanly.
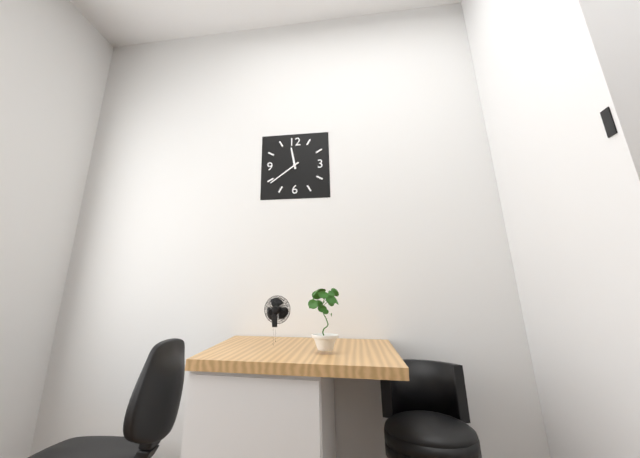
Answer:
11h39
